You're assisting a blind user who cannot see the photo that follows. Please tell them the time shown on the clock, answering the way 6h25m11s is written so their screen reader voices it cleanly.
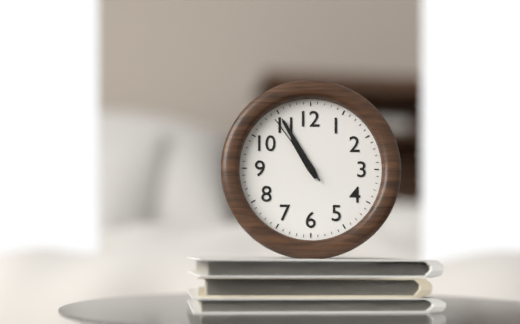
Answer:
10h55m54s
